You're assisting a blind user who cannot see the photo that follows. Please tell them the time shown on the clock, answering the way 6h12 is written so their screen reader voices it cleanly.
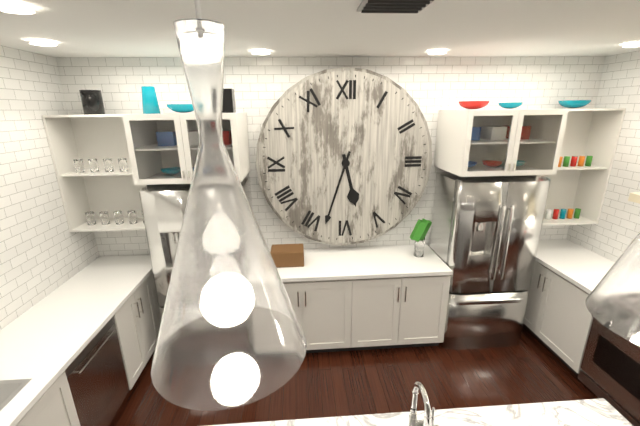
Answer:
5h33
